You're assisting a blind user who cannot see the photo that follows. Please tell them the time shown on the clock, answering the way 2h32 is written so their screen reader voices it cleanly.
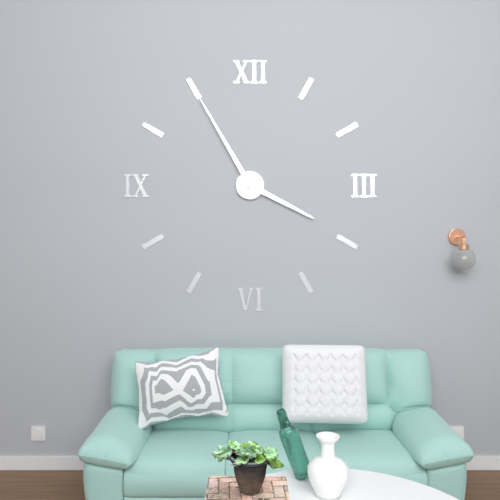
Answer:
3h55
